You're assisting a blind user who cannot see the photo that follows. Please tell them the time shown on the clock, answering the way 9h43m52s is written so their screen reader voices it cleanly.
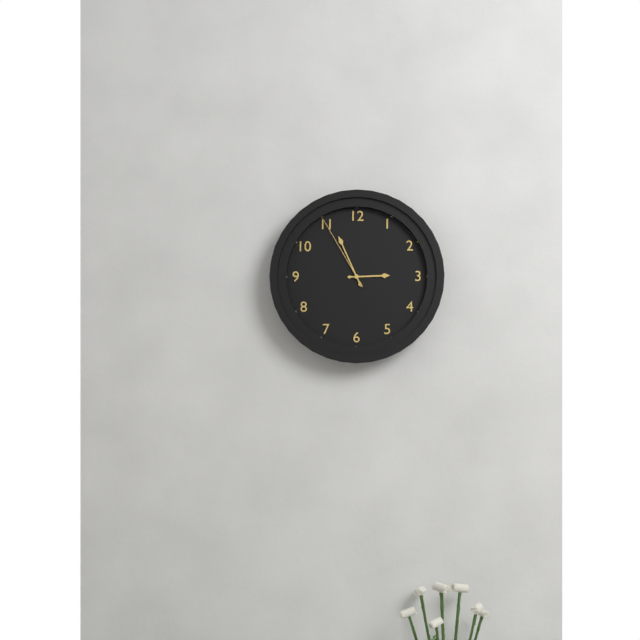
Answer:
2h56m55s
